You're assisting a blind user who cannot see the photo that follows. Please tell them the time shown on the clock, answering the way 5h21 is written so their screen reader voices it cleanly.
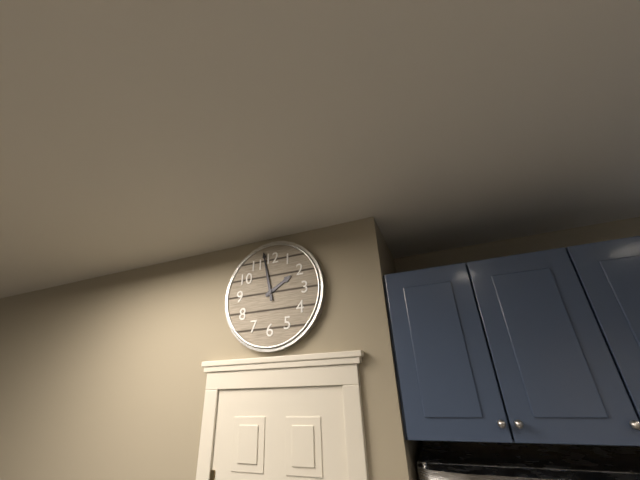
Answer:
1h58
